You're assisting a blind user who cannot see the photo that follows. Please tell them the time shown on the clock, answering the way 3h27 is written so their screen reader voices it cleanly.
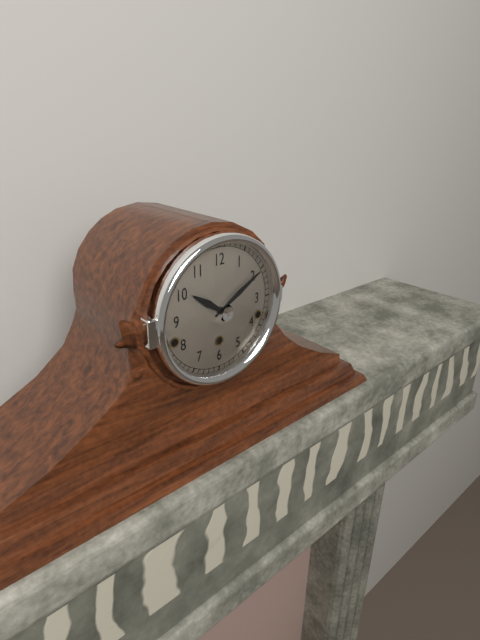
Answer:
10h10
